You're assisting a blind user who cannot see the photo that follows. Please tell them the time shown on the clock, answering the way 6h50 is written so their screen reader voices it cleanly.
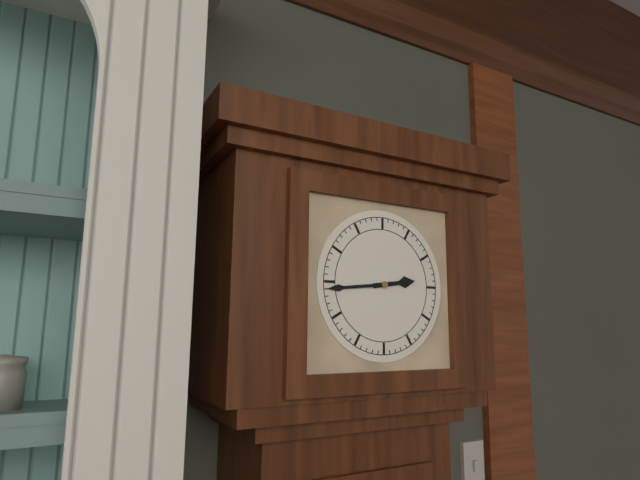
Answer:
2h44
